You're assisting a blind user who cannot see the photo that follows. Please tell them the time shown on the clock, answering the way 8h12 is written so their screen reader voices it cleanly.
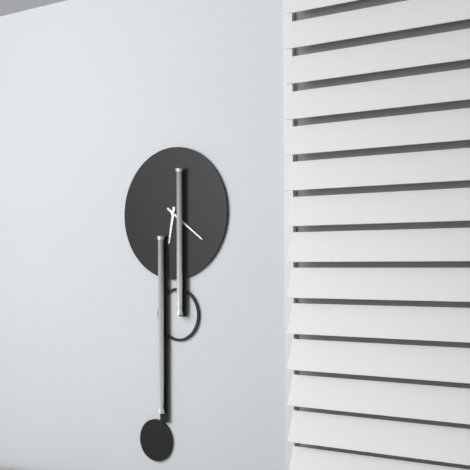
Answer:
6h21
